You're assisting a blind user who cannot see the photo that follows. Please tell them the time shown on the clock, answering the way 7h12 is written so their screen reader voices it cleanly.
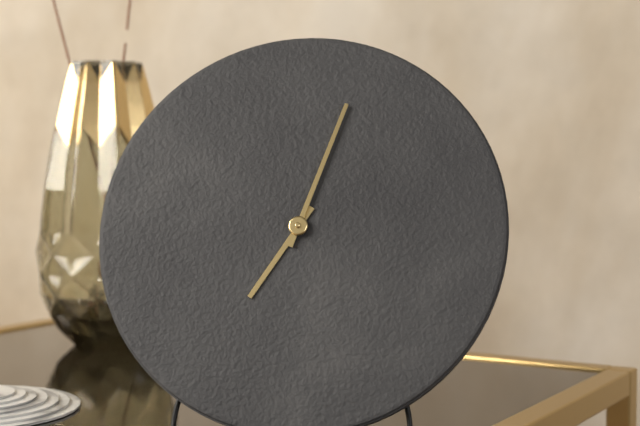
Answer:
7h03
